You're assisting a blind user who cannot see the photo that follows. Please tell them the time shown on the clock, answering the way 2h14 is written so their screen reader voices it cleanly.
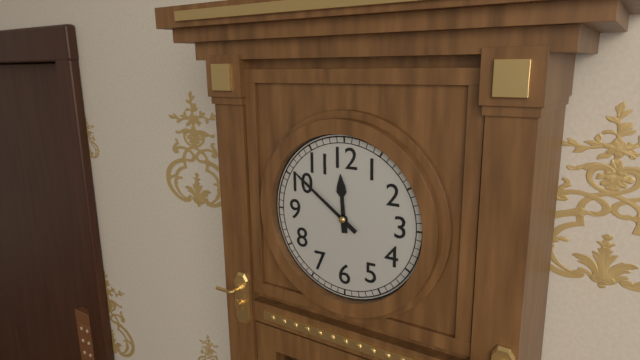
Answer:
11h51
